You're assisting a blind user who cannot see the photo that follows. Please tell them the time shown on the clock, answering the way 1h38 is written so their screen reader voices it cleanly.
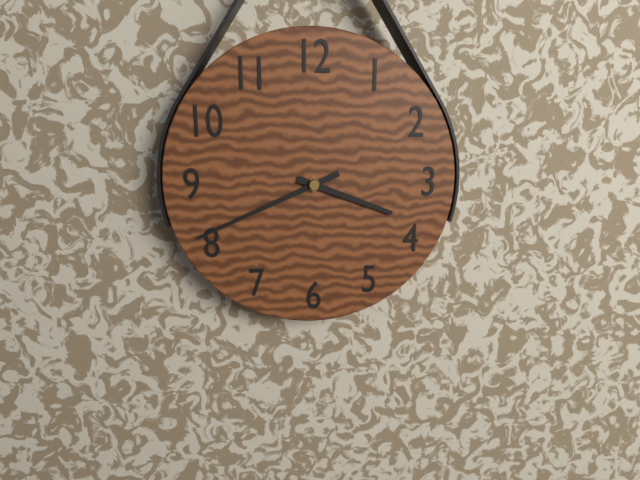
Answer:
3h41
